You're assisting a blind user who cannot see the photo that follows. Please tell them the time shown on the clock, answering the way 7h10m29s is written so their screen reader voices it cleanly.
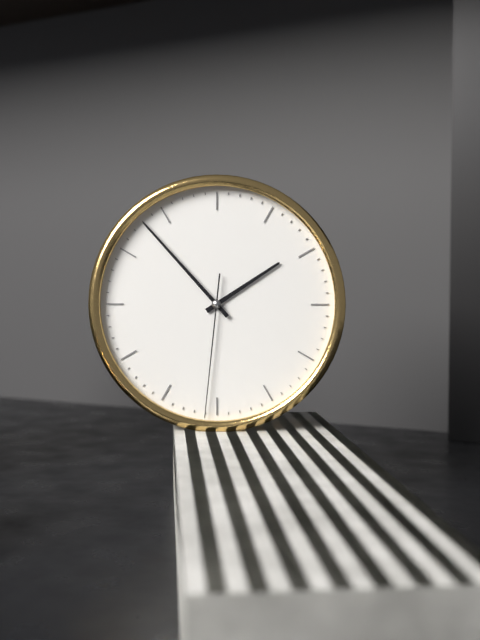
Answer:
1h53m31s
